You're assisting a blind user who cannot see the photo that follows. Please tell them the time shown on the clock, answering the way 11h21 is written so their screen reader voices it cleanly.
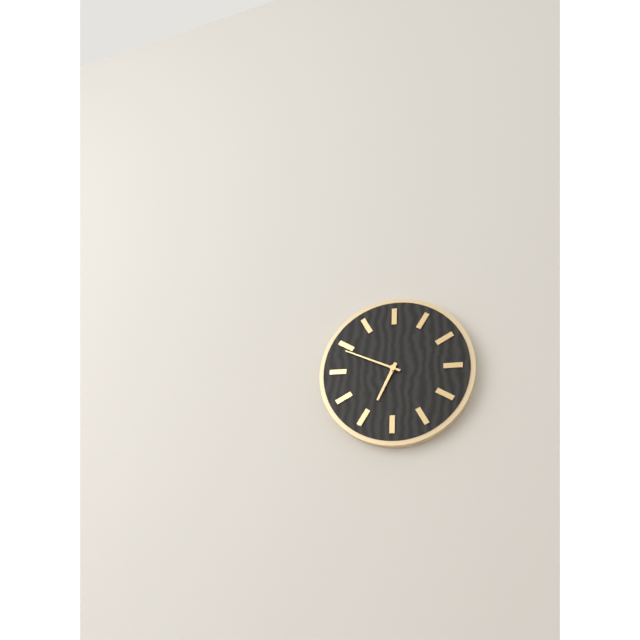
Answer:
6h49
